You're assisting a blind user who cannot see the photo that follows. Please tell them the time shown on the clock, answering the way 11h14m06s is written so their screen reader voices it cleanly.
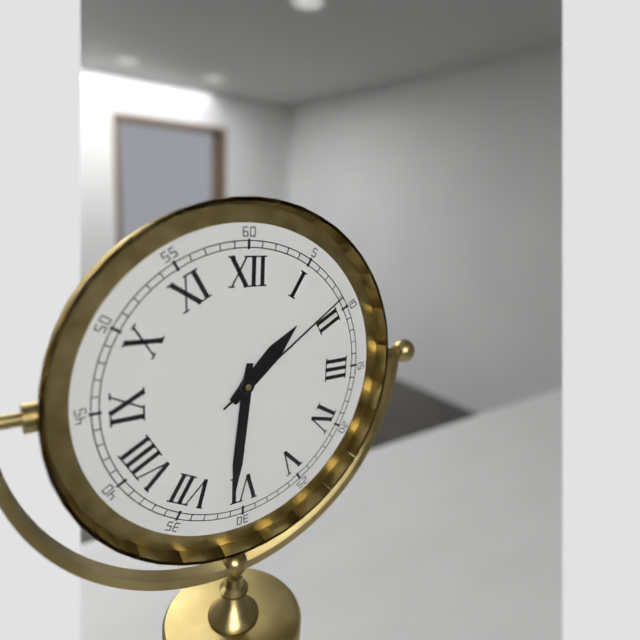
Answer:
1h31m09s
